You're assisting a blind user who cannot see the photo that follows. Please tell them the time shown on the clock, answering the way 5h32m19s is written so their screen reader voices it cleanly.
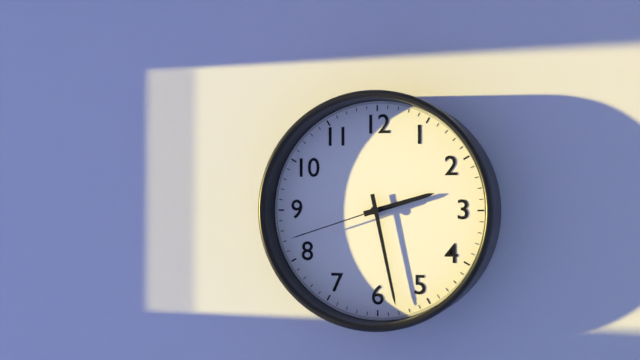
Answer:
2h28m42s
